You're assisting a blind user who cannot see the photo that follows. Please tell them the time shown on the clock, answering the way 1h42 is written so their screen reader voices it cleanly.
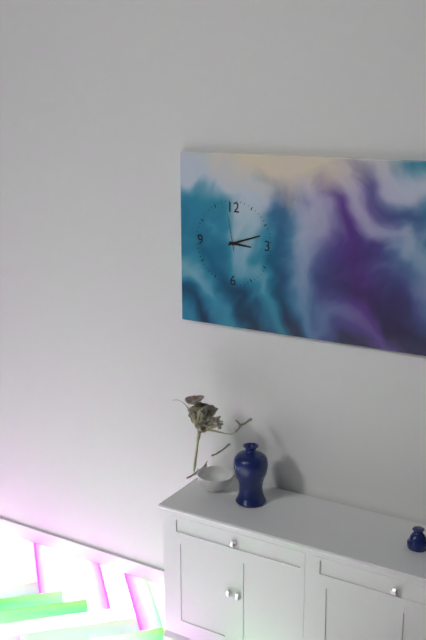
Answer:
3h12
